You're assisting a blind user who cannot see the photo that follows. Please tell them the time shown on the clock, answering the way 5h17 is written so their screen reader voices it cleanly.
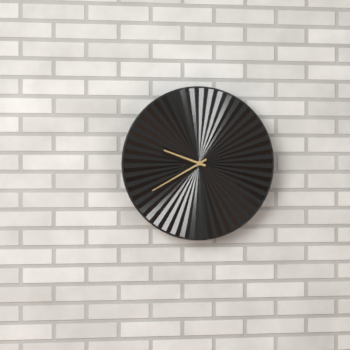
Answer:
9h40
